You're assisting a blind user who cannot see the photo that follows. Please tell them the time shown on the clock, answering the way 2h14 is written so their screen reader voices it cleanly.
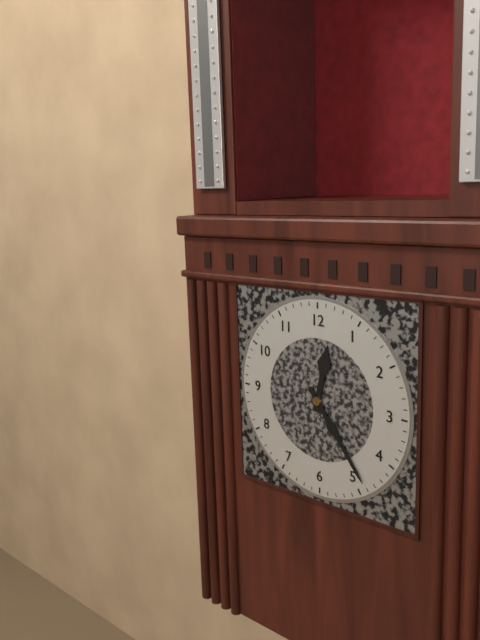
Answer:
12h24
